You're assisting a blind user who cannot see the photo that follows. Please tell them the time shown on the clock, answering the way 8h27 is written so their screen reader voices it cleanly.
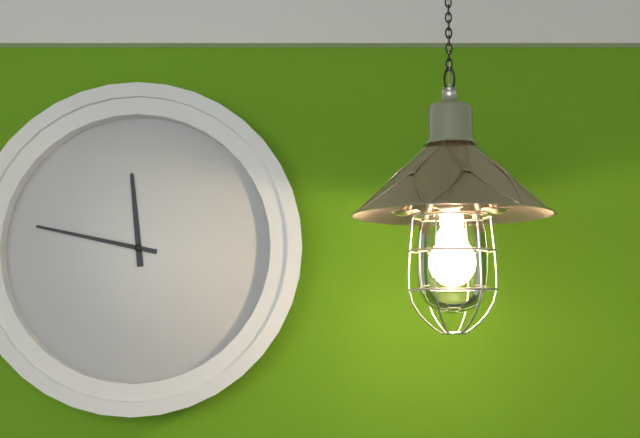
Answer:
11h47
